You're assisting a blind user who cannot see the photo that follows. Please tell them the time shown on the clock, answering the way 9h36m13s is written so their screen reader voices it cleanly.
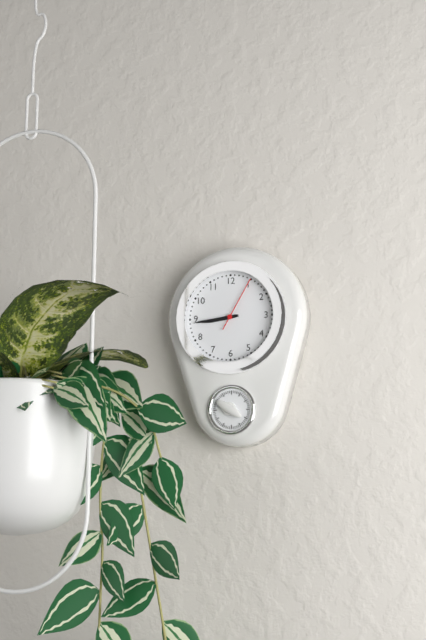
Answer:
8h44m05s
